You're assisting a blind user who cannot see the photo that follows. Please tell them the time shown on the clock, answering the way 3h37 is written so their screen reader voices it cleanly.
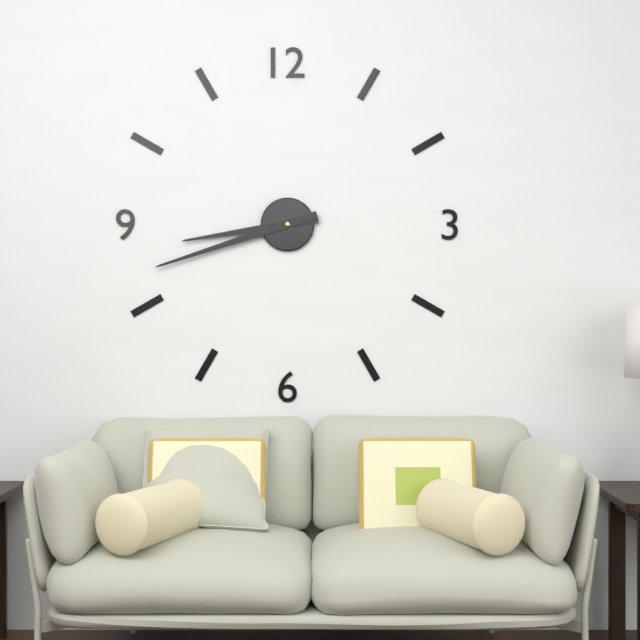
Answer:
8h42
